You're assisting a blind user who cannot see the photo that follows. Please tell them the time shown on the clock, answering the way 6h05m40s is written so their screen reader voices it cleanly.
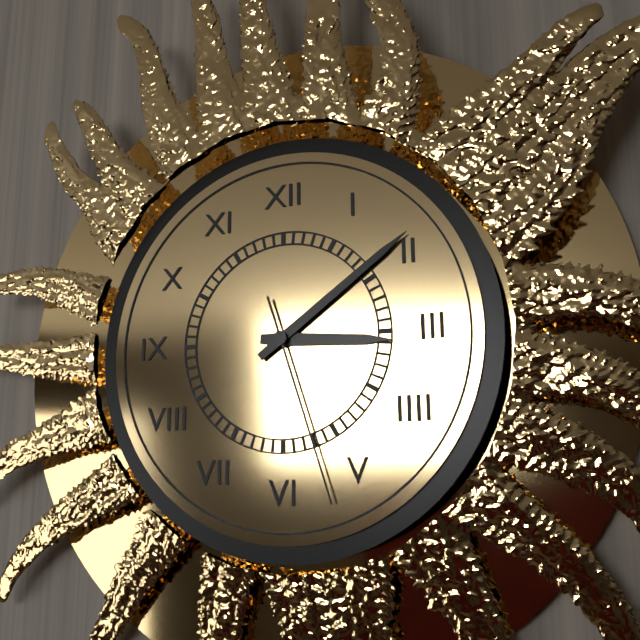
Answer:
3h09m27s
